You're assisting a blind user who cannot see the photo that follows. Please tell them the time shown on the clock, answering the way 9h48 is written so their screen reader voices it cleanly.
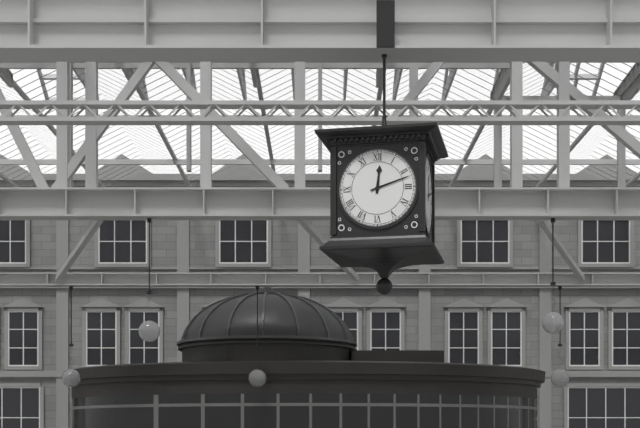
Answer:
12h12
